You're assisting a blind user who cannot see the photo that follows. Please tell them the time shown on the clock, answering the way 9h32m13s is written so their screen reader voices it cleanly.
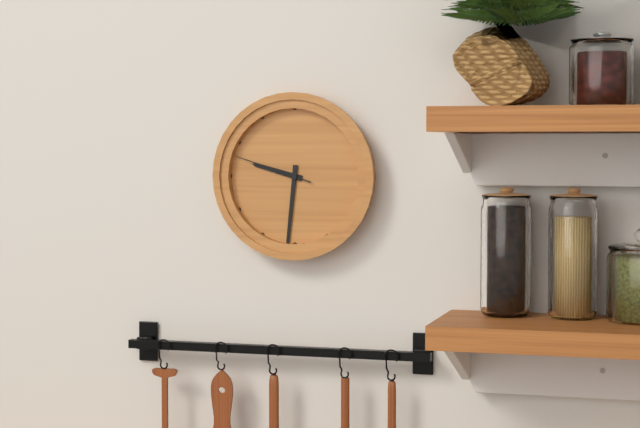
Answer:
9h31m48s
